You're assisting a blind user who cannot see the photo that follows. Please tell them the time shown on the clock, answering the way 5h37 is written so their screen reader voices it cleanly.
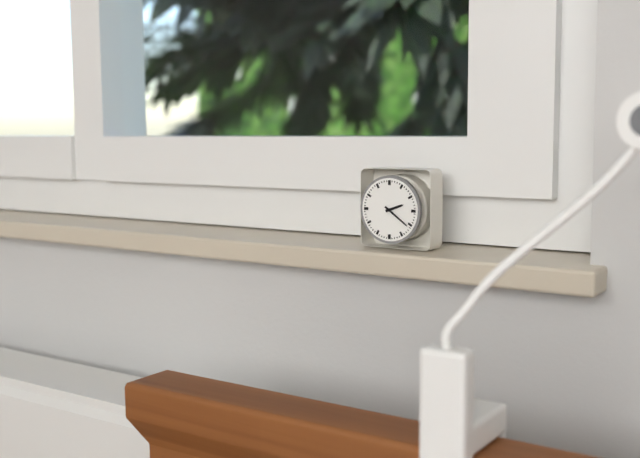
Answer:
2h21
